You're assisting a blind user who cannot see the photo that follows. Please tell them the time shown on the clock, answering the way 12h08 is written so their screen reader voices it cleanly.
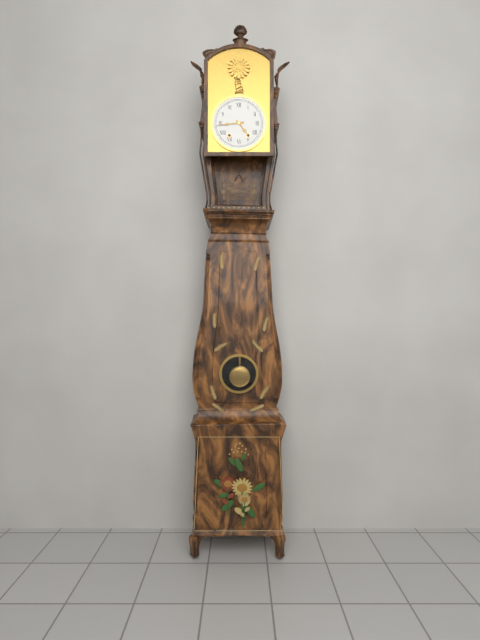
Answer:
4h44
